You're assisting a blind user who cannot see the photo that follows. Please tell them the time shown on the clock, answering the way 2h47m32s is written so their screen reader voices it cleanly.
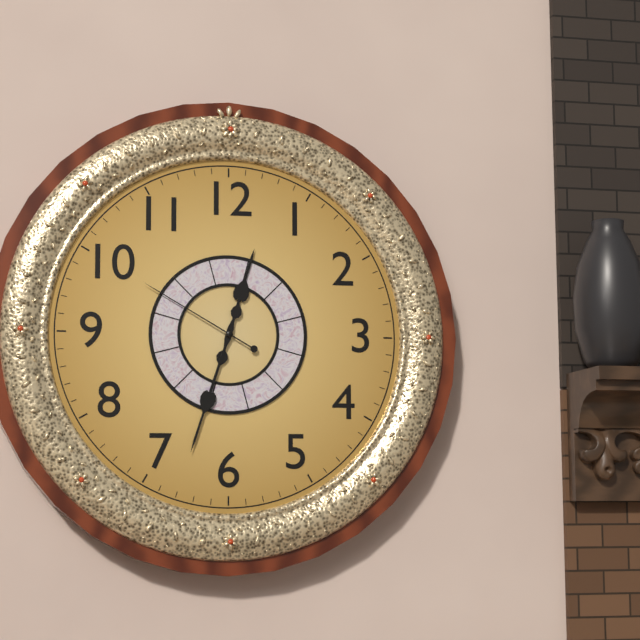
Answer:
12h33m50s
